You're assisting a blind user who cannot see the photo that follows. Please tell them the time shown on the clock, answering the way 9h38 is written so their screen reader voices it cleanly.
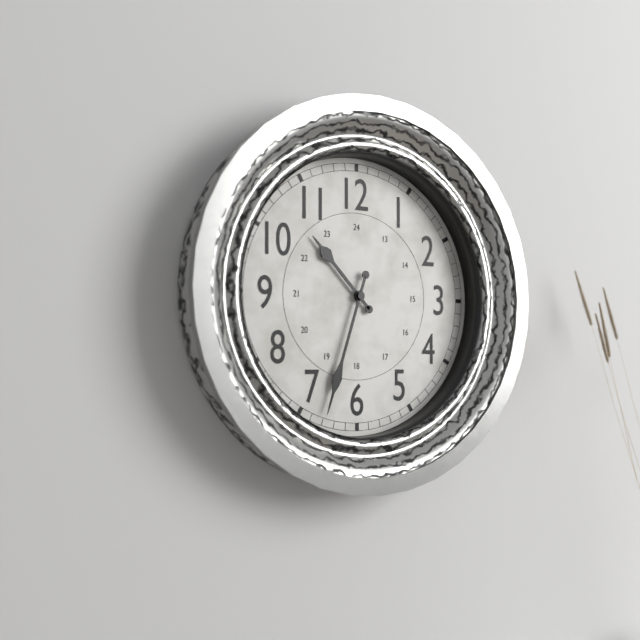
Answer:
10h33
